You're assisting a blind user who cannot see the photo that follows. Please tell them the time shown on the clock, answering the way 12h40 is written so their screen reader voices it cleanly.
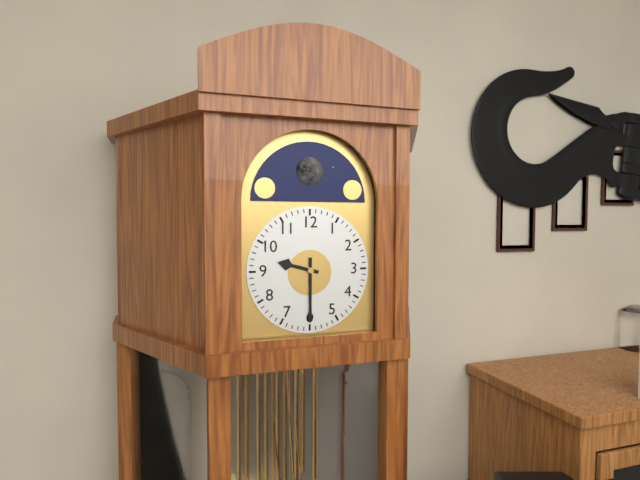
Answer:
9h30
